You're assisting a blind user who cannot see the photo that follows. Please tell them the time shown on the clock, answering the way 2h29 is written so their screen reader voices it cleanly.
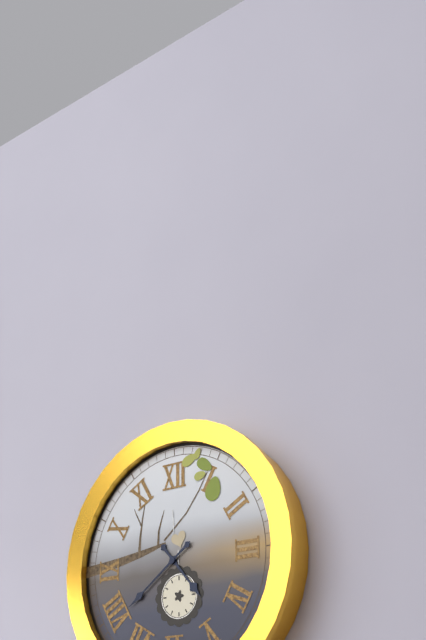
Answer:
4h39
